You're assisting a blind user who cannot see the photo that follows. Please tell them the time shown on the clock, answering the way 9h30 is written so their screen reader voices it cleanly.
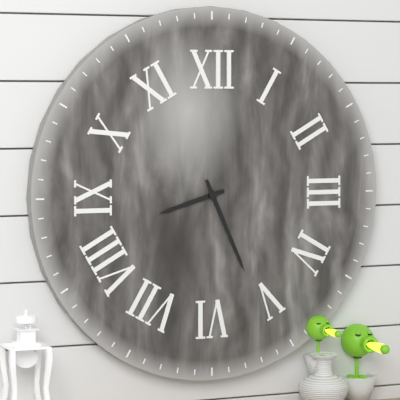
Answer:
8h26
